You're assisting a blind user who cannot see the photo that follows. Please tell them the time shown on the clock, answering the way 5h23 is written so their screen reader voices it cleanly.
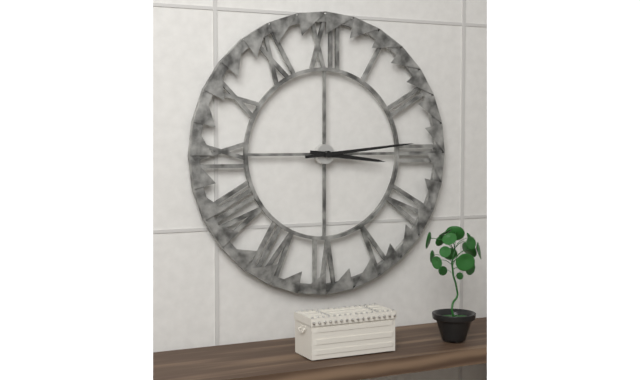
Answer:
3h14
